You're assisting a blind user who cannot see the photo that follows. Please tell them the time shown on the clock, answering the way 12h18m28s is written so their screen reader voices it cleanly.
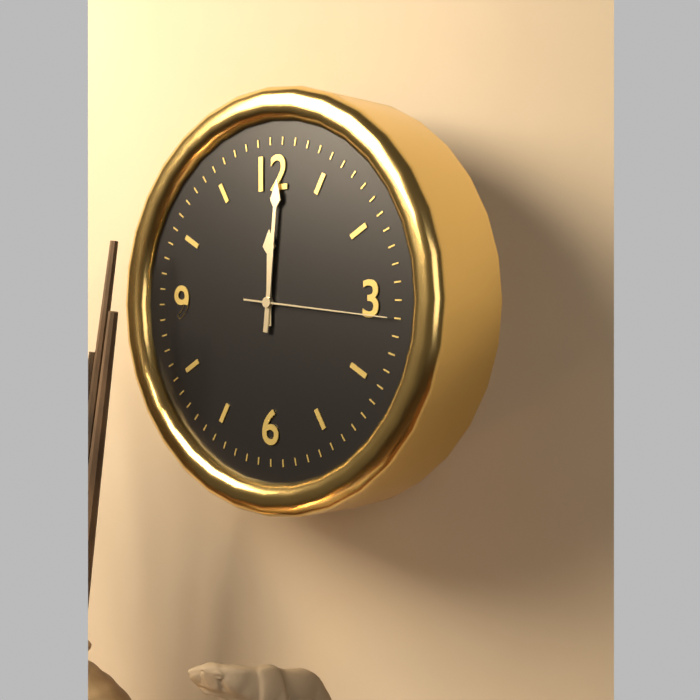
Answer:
12h01m16s
